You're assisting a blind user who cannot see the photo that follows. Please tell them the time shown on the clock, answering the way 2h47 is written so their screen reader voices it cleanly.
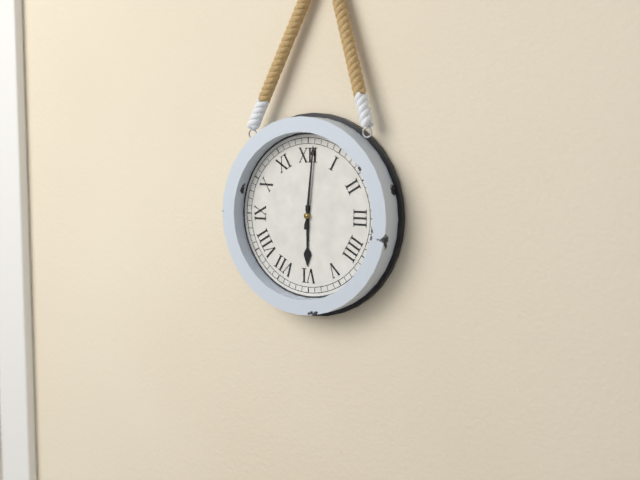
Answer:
6h01
